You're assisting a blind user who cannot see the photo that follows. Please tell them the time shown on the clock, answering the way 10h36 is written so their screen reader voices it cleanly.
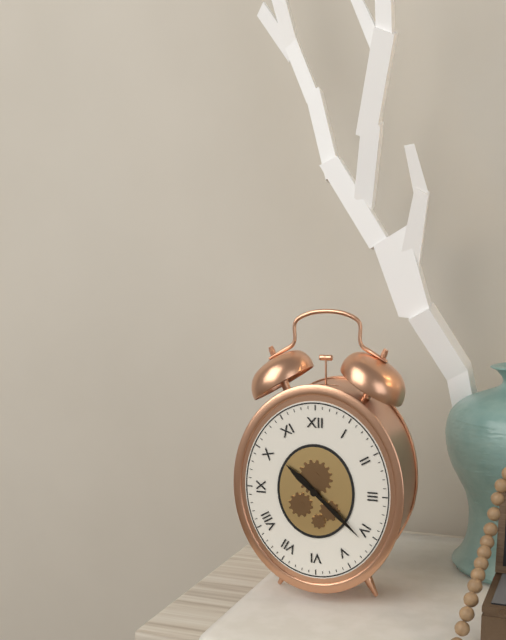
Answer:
10h22
